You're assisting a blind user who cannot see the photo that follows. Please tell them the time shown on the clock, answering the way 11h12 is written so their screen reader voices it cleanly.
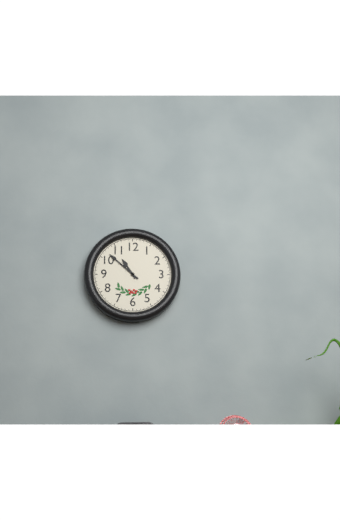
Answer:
10h52
